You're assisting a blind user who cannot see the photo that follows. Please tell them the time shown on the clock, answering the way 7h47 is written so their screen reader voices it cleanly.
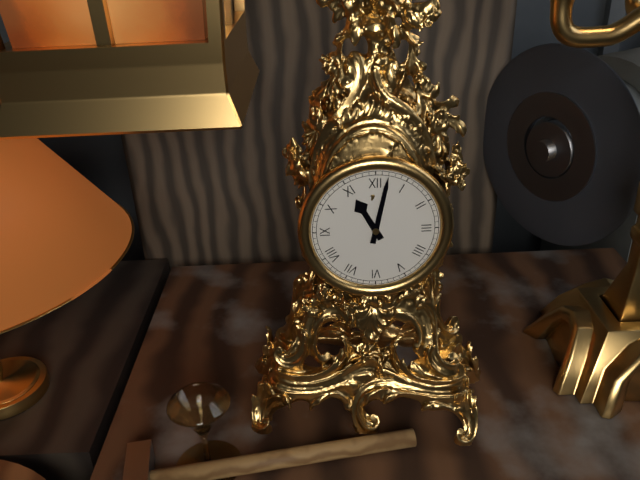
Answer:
11h02
